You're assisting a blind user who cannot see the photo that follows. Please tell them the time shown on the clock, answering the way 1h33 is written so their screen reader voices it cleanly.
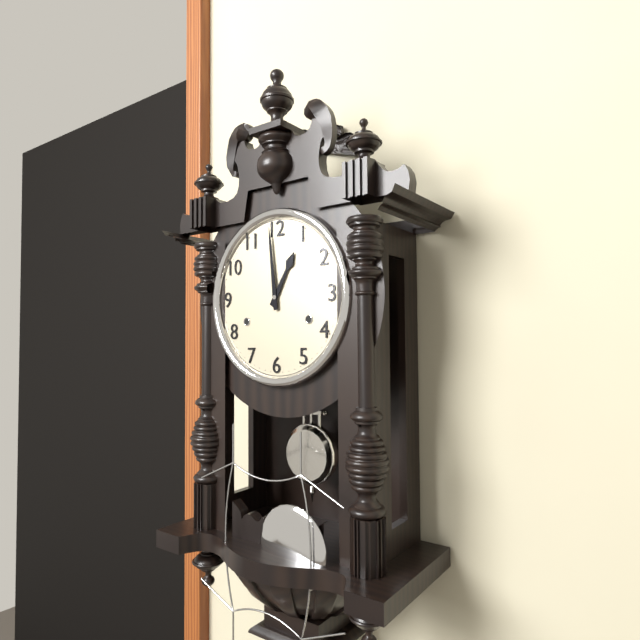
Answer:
12h59
